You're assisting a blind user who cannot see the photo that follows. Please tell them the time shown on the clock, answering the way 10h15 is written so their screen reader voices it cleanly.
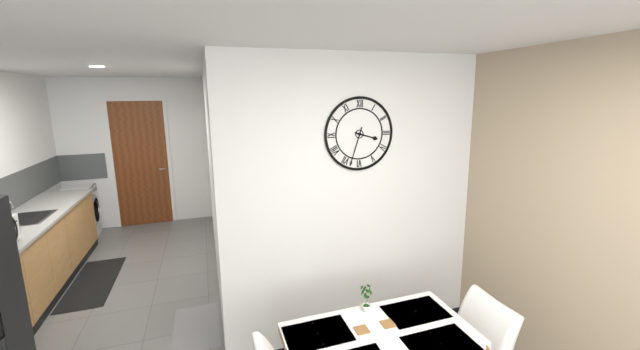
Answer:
3h33
